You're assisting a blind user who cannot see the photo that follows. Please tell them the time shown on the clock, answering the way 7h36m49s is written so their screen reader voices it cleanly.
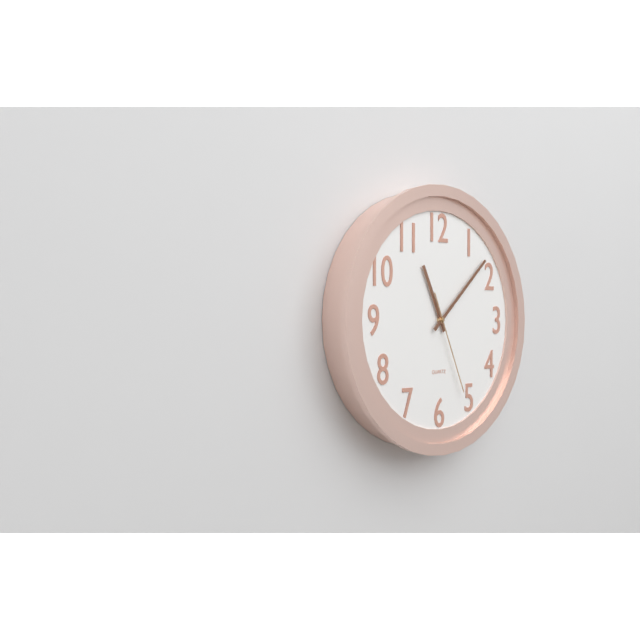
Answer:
11h08m26s
